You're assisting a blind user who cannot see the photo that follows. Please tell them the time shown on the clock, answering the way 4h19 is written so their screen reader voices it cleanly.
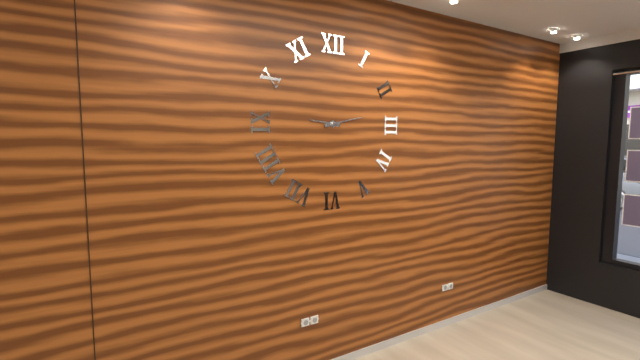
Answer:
9h13
